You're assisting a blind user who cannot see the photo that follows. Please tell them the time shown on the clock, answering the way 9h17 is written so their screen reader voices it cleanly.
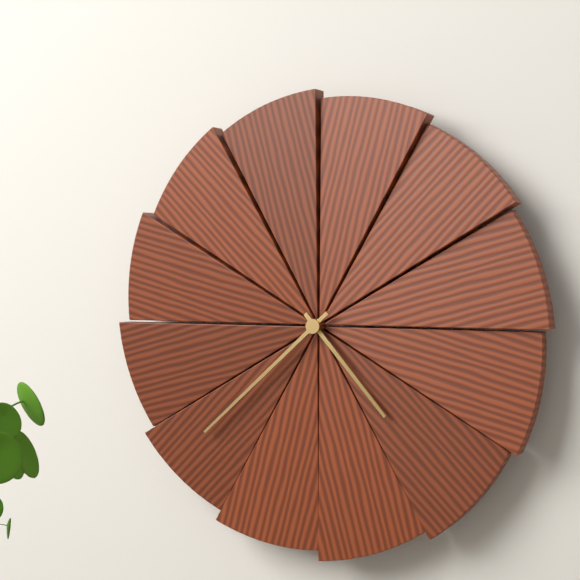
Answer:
4h38
